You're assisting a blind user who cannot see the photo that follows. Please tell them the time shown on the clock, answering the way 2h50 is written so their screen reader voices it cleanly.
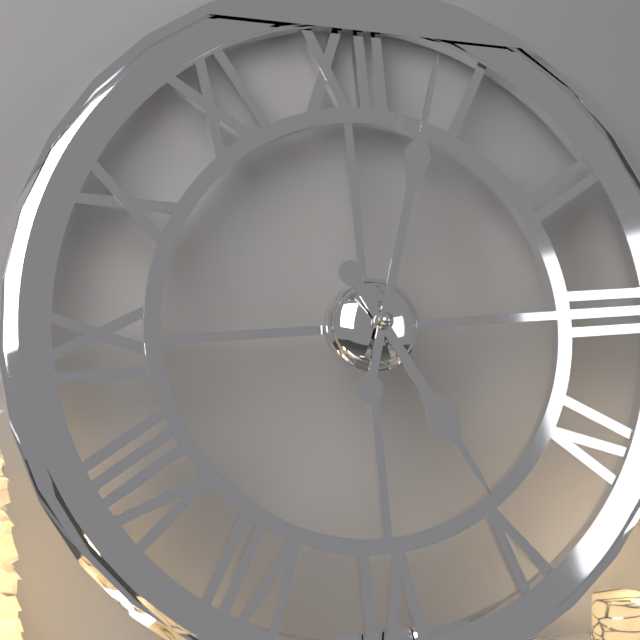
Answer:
5h03
